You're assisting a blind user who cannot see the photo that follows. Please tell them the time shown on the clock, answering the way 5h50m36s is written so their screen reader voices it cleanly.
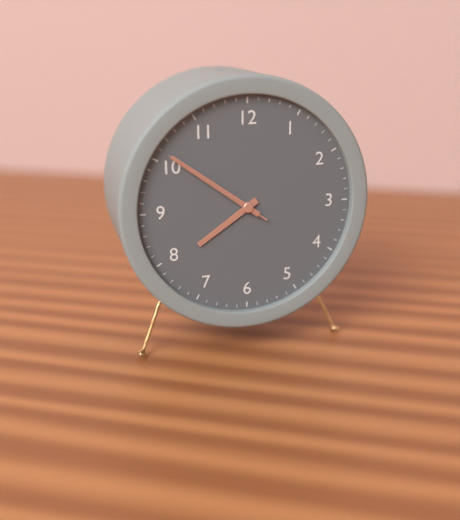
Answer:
7h51m51s
